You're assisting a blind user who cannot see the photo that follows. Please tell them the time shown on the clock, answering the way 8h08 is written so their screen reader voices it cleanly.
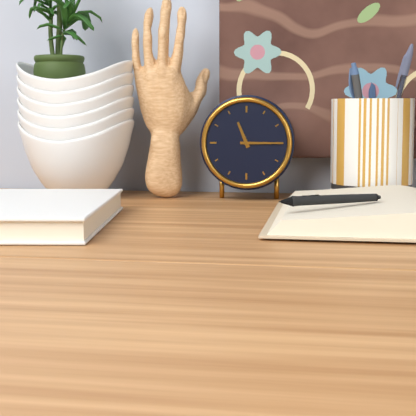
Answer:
11h15
